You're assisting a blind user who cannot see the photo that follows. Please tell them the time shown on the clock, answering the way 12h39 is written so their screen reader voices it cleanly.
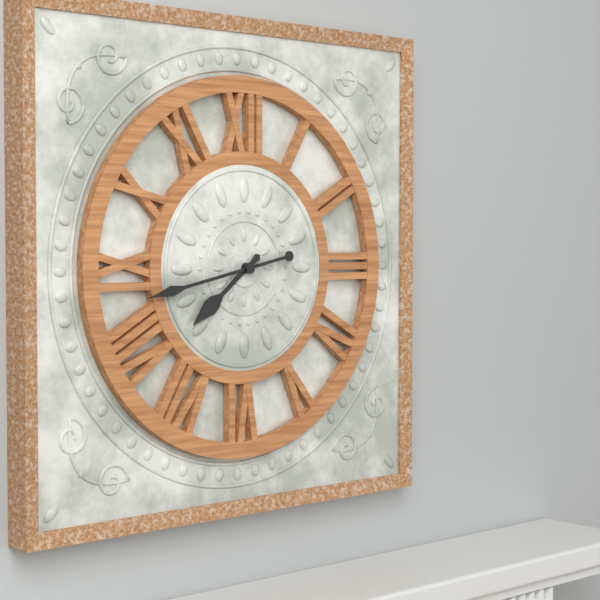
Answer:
7h43
